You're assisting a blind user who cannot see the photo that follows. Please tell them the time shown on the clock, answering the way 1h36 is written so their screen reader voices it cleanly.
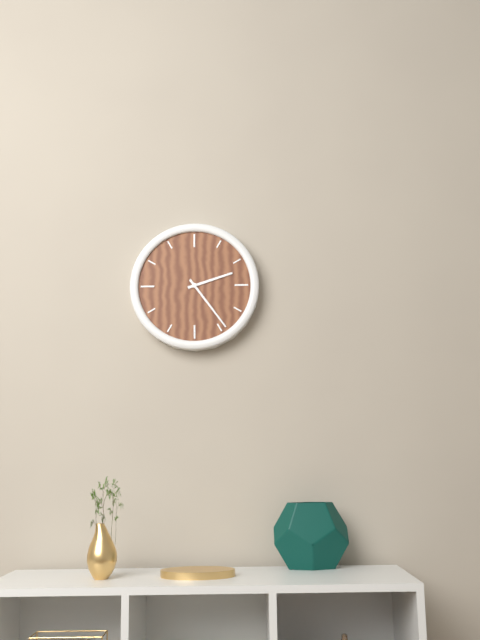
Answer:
2h24
